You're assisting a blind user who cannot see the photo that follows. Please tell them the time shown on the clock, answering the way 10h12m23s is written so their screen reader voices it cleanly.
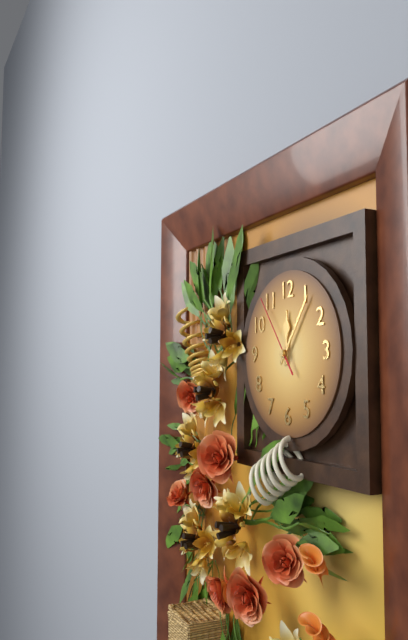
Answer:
12h06m54s
